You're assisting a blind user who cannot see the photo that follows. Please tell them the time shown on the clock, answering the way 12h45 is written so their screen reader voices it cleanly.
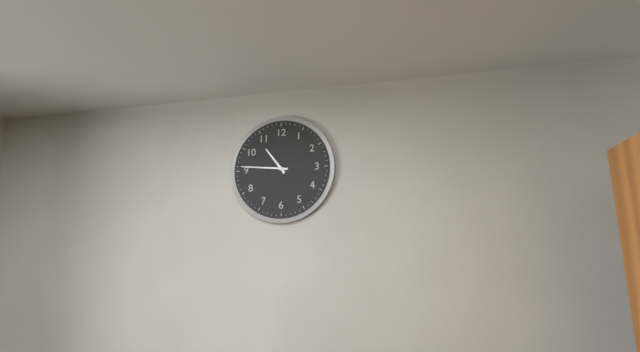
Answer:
10h46
